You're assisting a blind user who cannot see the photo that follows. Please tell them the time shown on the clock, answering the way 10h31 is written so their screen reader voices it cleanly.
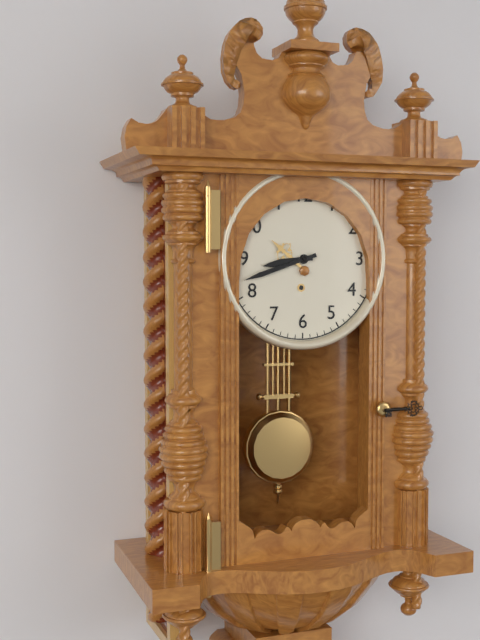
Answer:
8h42
